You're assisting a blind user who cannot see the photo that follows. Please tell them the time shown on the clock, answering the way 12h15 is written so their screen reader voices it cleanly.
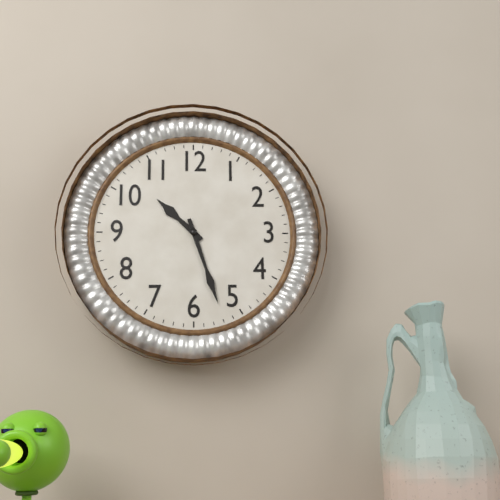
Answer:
10h27
